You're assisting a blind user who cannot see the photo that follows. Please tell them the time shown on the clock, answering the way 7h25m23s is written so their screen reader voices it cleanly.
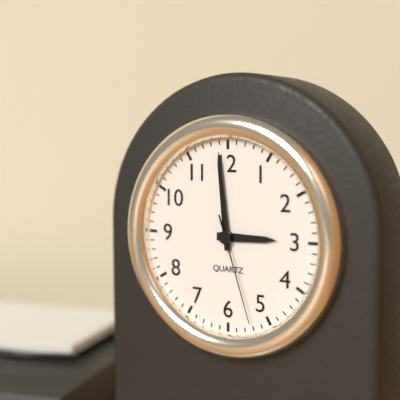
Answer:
2h59m27s
